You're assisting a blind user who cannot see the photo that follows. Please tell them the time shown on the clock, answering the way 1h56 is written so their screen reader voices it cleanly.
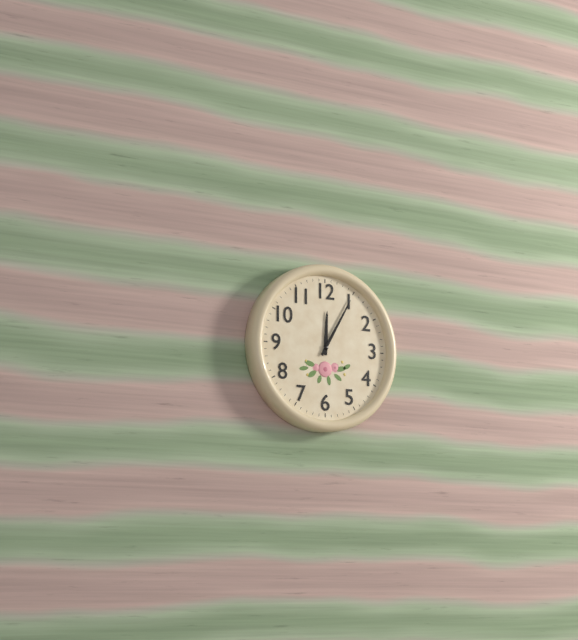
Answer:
12h05
